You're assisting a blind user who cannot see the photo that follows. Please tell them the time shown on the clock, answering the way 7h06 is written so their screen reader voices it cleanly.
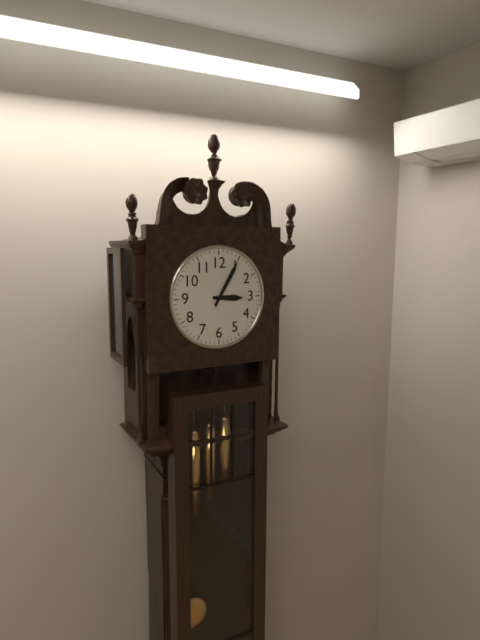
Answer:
3h05
